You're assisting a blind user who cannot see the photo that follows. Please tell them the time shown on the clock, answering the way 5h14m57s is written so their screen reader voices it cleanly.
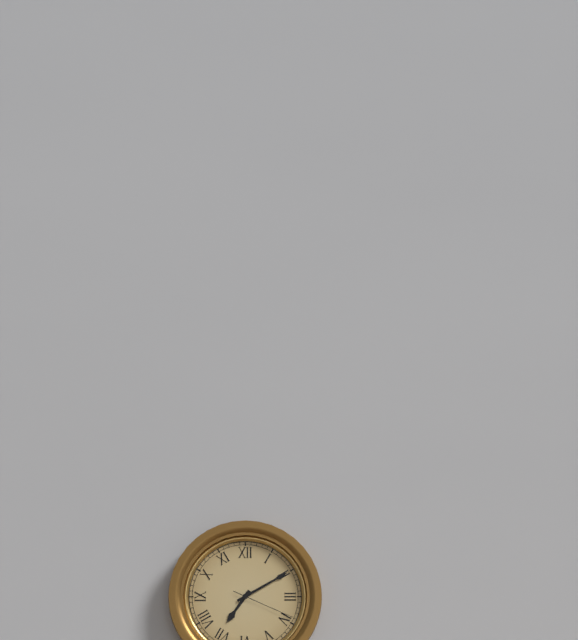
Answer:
7h10m19s
